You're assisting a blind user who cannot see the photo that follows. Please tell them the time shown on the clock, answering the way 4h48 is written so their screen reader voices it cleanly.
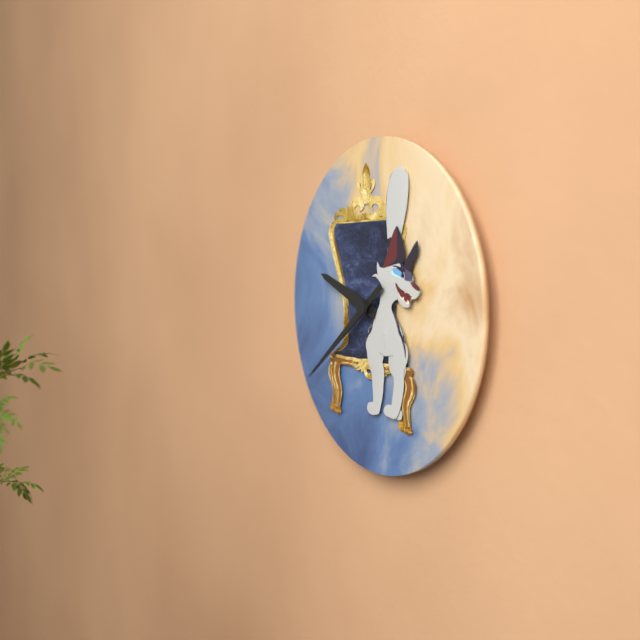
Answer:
9h39
